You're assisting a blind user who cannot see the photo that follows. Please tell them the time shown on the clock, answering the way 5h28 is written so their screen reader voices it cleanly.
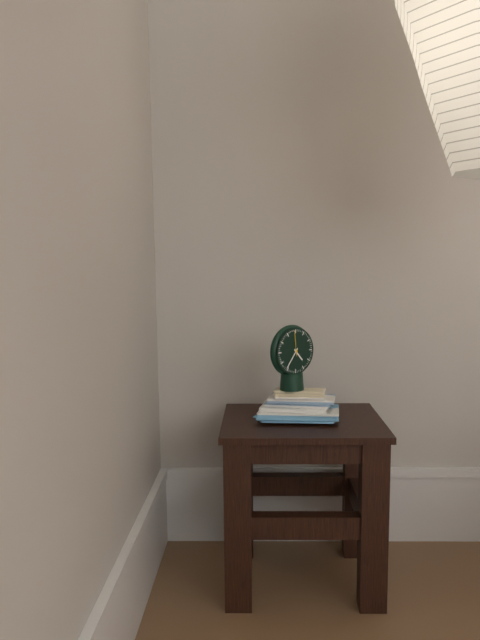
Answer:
4h36
